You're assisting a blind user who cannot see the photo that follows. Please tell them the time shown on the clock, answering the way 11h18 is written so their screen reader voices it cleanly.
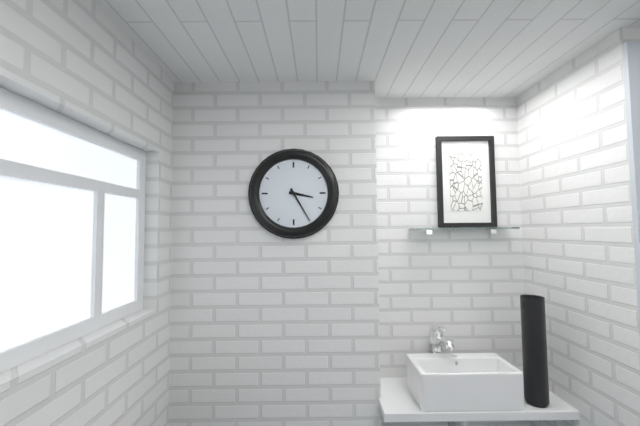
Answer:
3h25
